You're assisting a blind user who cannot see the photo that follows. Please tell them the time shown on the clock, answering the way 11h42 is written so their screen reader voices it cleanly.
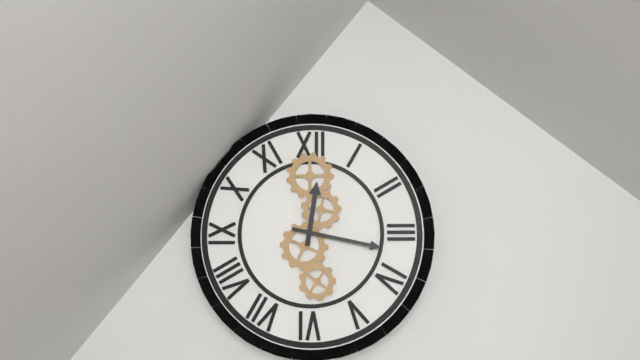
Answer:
12h17
